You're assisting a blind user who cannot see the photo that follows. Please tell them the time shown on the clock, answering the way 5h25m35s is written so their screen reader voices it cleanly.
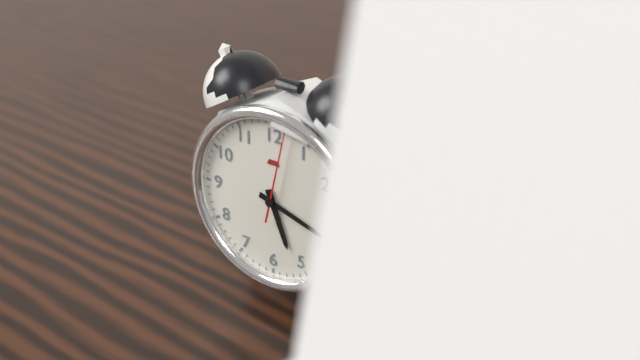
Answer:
5h18m02s
